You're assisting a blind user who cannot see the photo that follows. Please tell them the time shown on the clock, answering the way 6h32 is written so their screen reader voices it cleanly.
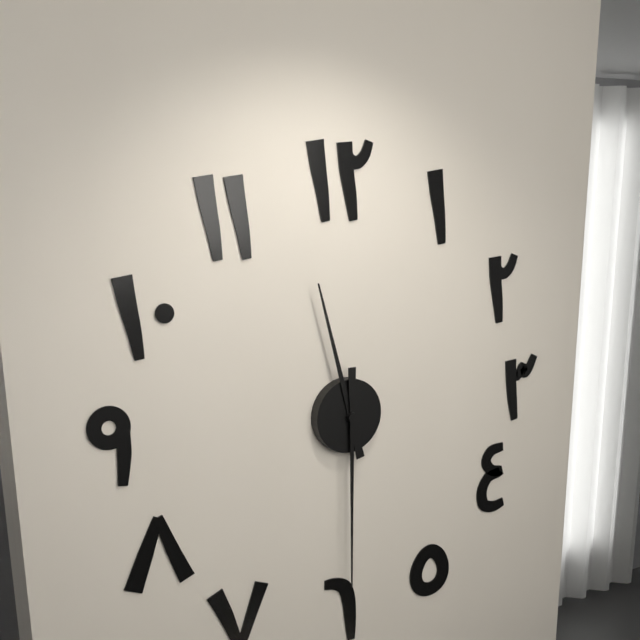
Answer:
11h30
